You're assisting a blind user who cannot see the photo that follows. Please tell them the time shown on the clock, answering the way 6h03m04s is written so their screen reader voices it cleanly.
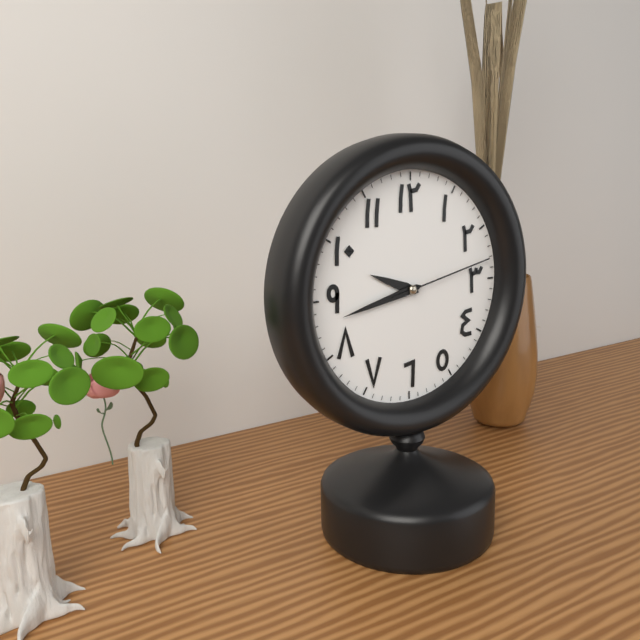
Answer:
9h43m13s
